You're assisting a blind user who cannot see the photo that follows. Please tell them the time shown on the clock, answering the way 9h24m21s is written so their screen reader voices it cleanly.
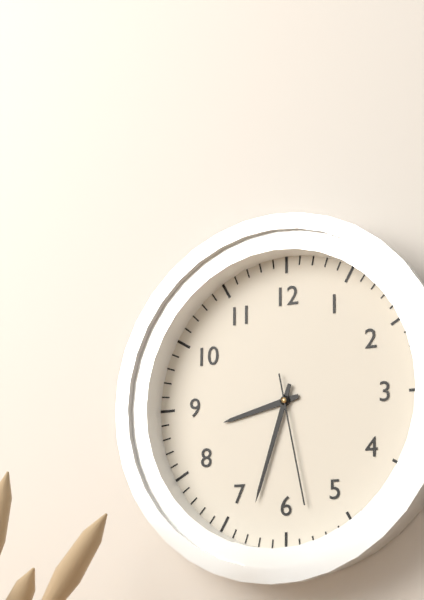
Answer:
8h33m28s
